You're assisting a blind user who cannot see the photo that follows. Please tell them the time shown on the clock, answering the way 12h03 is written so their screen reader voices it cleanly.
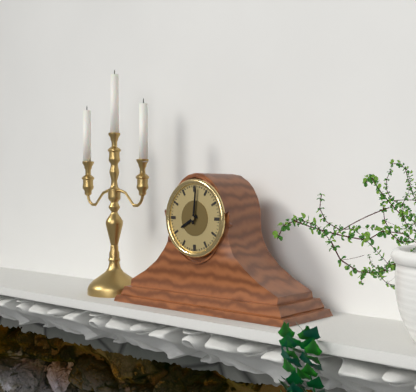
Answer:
8h01
